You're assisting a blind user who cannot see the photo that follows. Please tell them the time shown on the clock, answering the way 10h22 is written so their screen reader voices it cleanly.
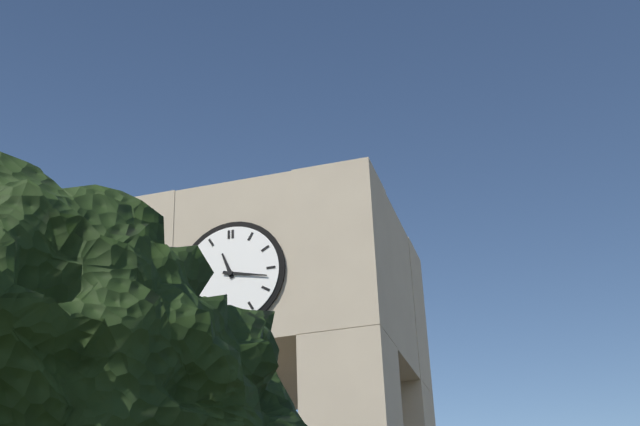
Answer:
11h17
